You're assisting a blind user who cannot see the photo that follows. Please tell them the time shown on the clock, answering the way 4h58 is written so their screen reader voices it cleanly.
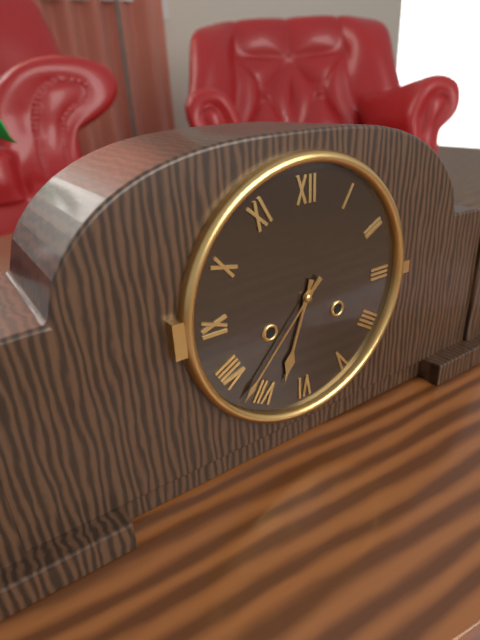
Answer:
6h37
